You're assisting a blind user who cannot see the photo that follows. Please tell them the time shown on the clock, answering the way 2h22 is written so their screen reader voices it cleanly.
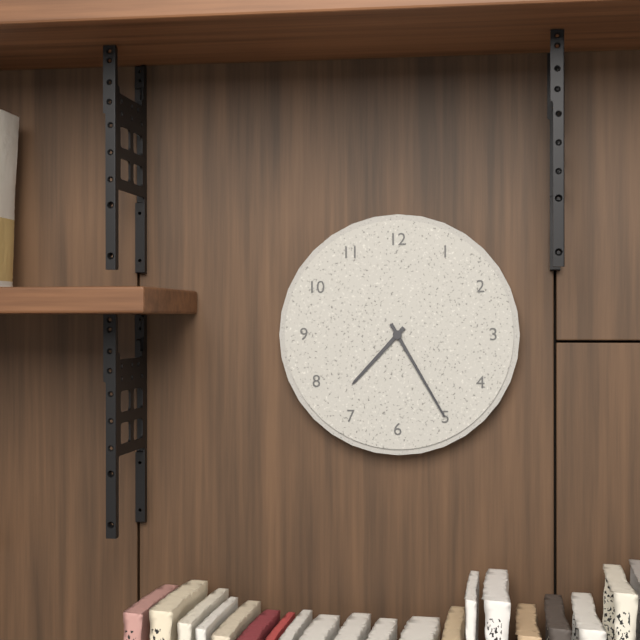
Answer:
7h25
